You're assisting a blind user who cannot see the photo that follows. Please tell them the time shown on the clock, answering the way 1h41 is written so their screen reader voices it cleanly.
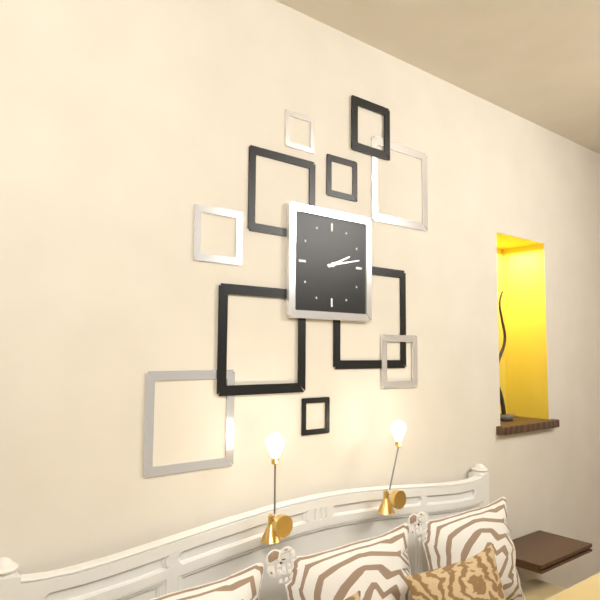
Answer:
2h13
